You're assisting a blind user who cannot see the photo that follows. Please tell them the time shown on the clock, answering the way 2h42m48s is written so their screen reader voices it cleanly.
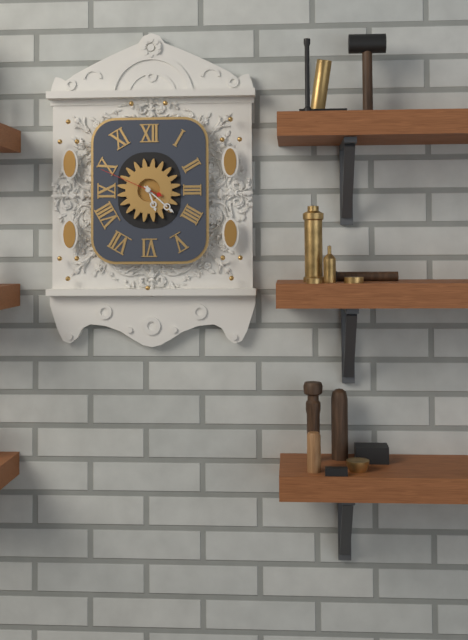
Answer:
5h22m49s
